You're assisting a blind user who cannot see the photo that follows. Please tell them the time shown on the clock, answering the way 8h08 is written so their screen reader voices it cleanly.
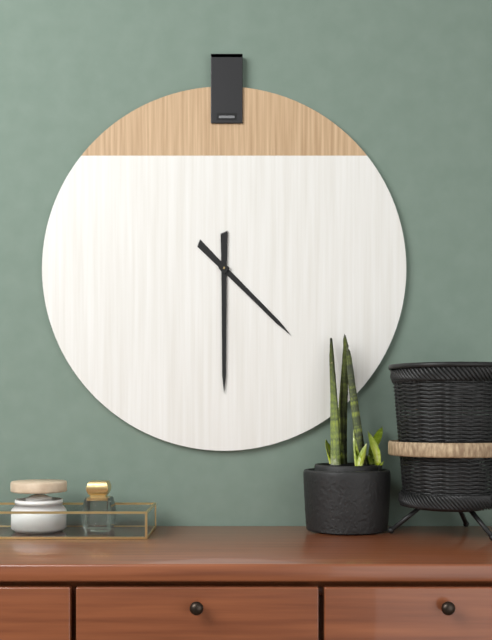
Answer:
4h30
